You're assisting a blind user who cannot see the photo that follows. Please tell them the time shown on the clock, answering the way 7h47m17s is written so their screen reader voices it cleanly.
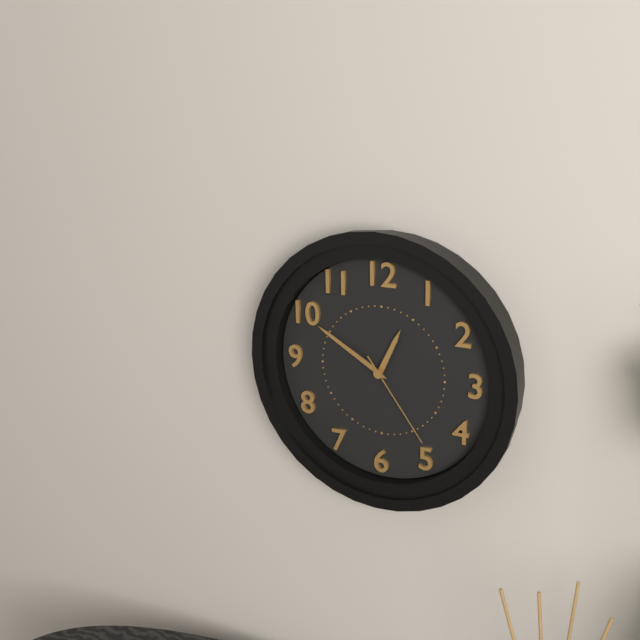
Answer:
12h50m24s
